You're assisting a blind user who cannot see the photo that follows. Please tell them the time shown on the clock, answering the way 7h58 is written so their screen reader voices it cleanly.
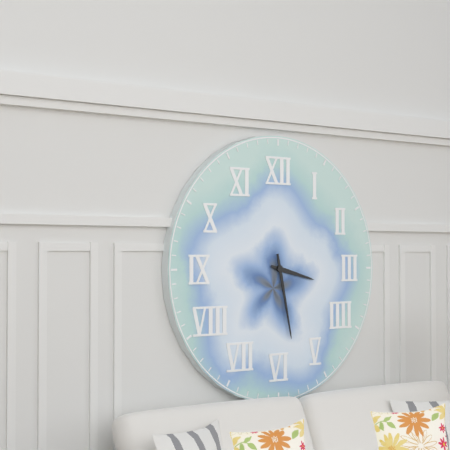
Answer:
3h28
